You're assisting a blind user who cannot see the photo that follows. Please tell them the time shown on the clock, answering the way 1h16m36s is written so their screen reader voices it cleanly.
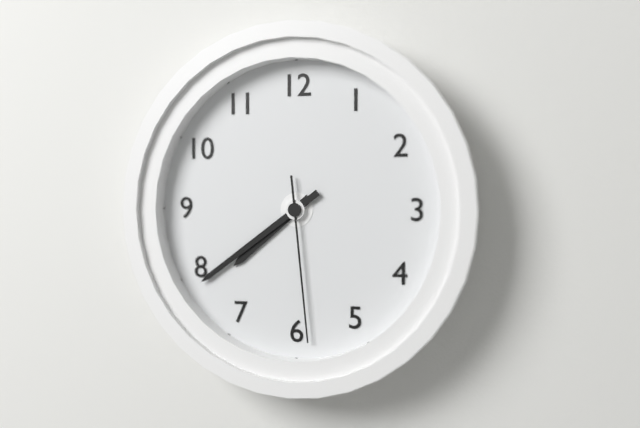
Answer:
7h39m29s
